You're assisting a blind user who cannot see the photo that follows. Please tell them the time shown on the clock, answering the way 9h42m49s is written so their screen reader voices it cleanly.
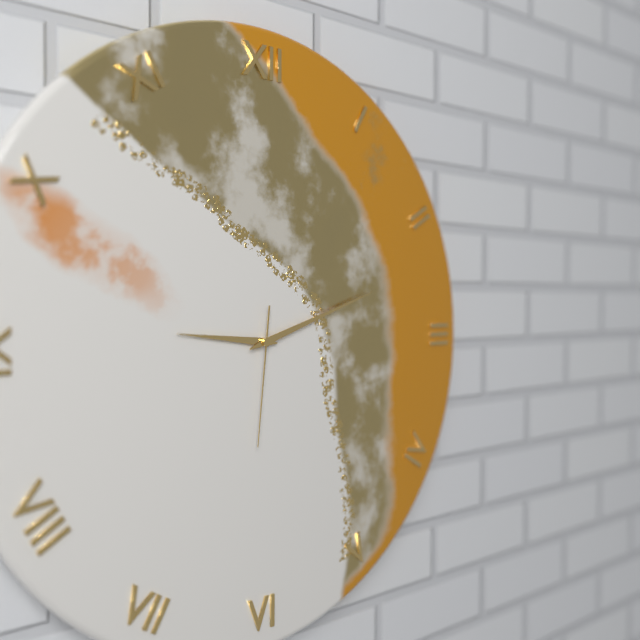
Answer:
9h12m31s
